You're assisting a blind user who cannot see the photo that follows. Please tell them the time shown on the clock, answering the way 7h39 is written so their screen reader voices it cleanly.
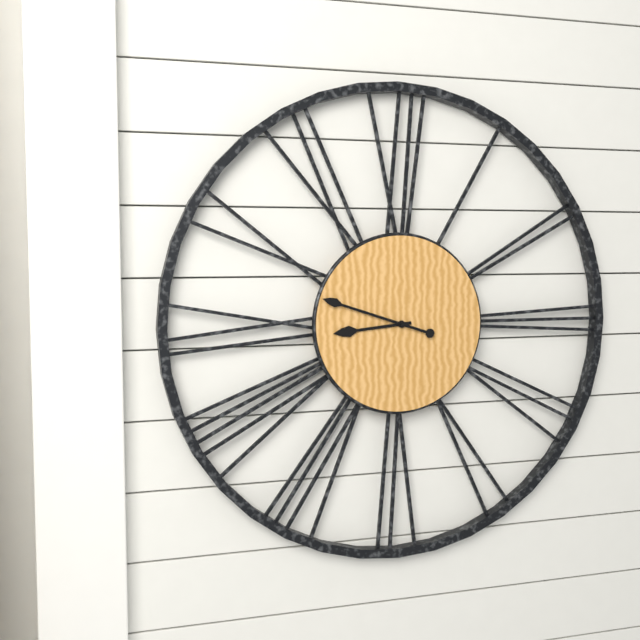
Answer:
8h48
